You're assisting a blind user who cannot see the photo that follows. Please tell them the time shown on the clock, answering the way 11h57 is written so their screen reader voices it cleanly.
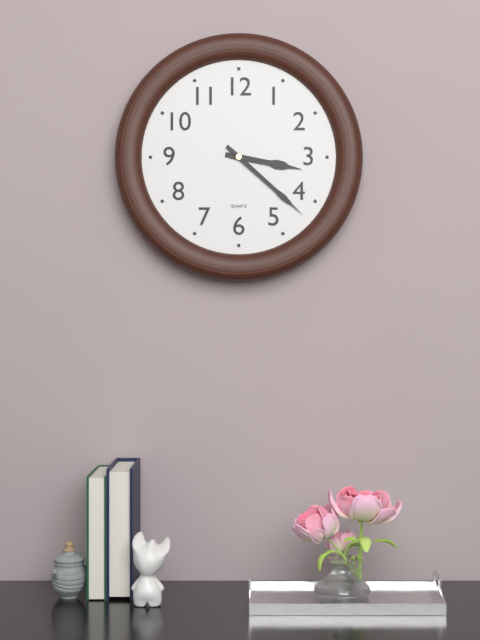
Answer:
3h22
